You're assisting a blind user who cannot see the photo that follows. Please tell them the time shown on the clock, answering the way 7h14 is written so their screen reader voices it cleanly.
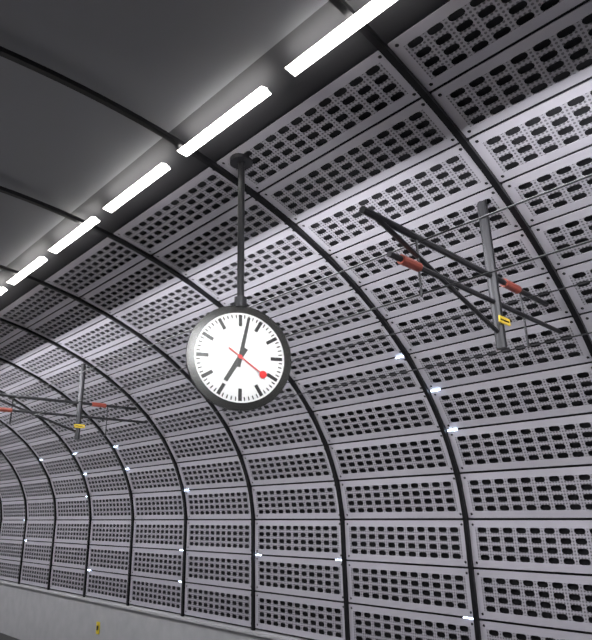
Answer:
7h02
